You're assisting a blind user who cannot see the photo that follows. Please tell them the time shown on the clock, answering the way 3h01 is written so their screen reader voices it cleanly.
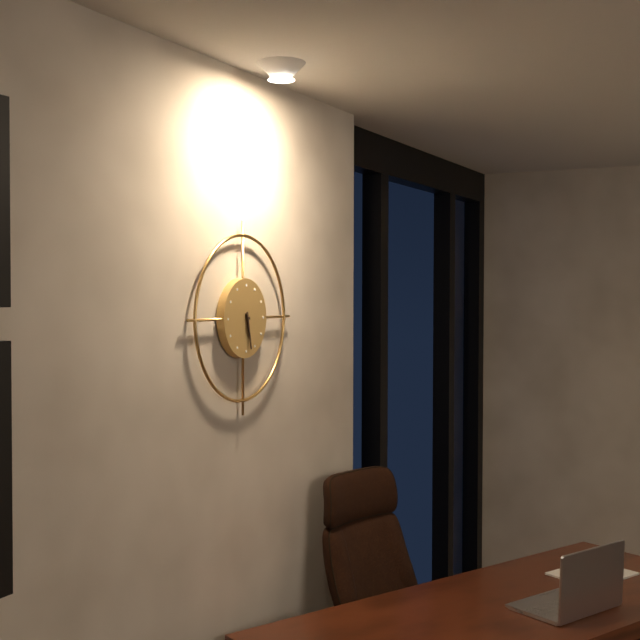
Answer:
5h28
